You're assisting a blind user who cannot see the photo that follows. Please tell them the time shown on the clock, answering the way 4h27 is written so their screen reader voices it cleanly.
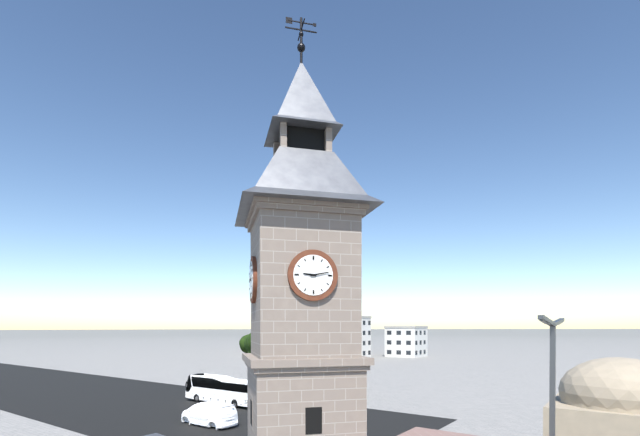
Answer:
9h13
